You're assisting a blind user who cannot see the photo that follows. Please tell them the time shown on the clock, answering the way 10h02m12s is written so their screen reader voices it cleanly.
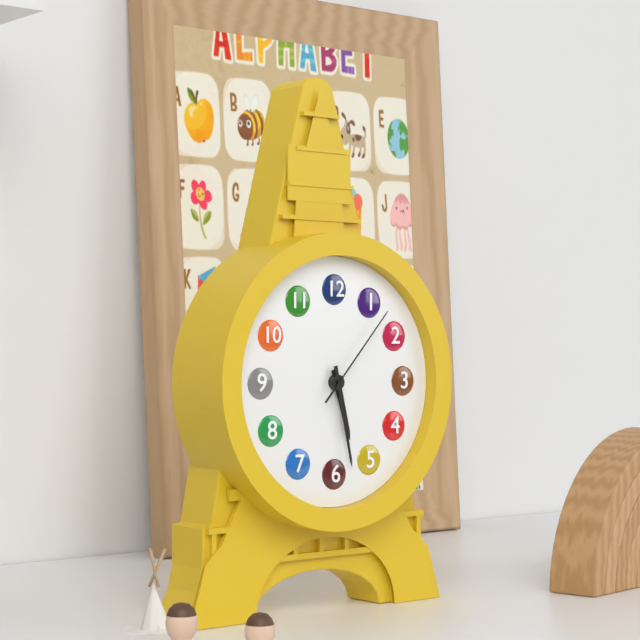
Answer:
5h28m07s
